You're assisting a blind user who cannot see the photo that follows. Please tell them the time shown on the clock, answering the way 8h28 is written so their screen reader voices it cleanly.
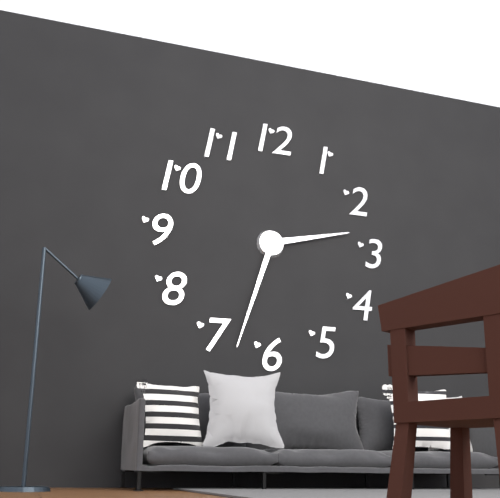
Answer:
2h33
